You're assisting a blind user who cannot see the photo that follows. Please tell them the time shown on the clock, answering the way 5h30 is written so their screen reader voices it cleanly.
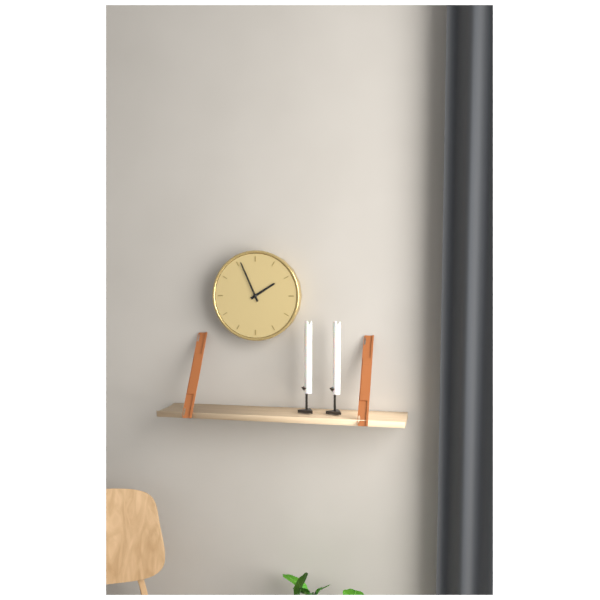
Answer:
1h56
